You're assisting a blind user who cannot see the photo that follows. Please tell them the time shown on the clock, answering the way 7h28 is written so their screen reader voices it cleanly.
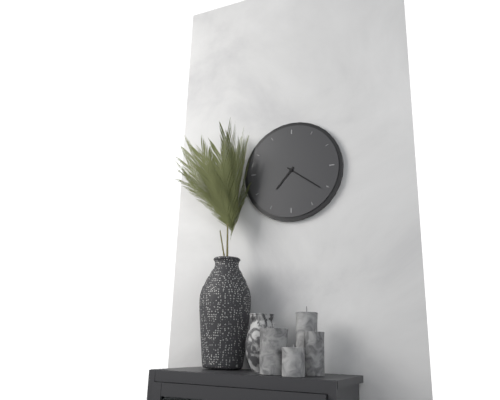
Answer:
7h21
